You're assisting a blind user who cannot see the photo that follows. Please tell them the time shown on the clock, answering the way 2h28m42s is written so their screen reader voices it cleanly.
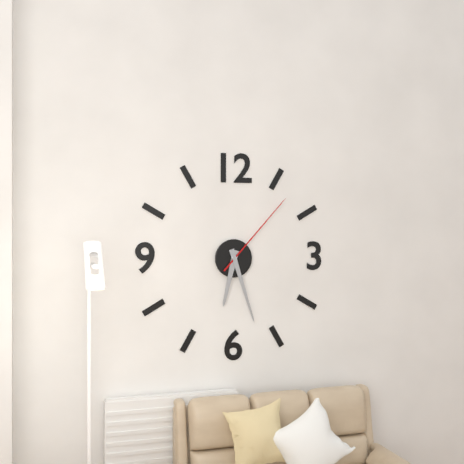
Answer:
6h27m07s
